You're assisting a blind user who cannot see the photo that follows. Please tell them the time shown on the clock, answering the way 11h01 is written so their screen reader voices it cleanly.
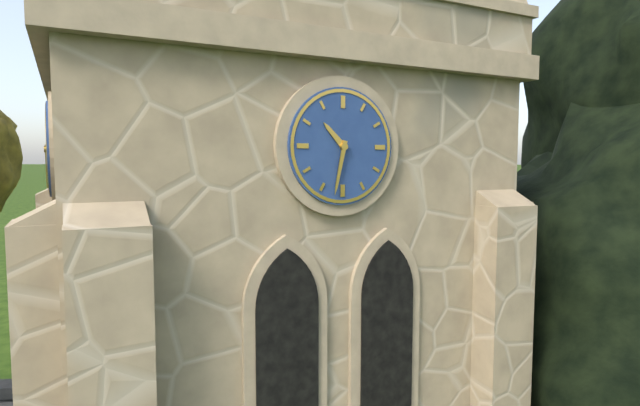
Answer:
10h32
